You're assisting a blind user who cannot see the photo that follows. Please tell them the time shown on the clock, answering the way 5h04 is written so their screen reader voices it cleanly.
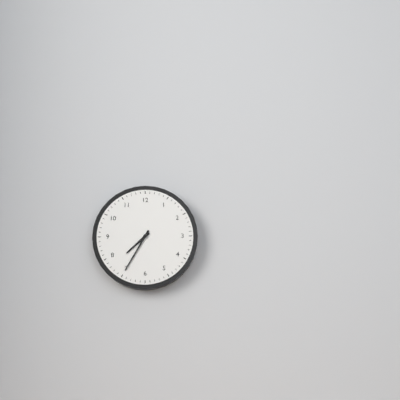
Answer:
7h35
